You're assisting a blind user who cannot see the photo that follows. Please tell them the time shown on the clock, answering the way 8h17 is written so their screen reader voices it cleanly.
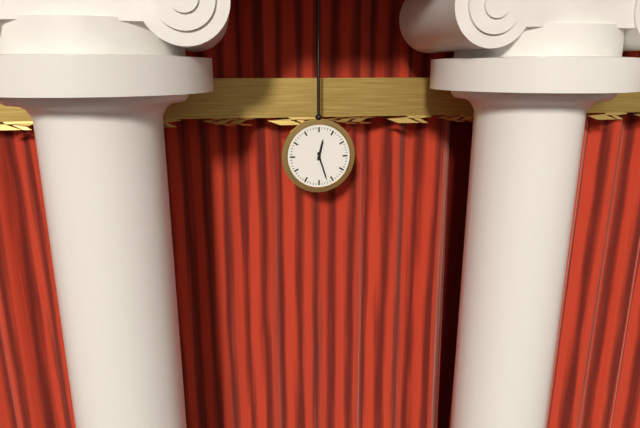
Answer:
12h27
